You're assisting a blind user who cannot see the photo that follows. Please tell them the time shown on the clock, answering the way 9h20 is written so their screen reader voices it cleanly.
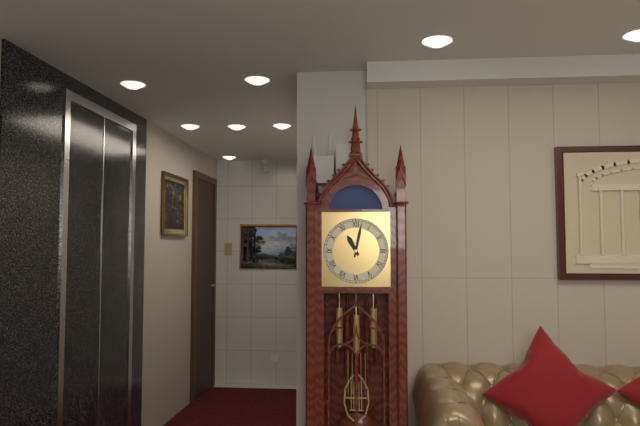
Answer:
11h02
